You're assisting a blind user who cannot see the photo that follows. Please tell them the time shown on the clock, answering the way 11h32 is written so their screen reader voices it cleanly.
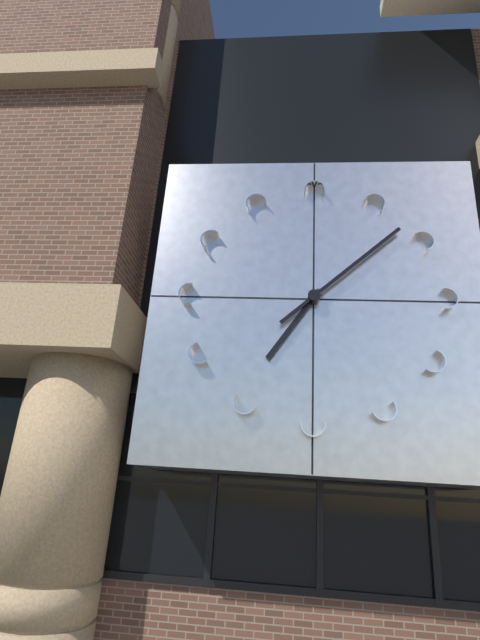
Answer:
7h08
